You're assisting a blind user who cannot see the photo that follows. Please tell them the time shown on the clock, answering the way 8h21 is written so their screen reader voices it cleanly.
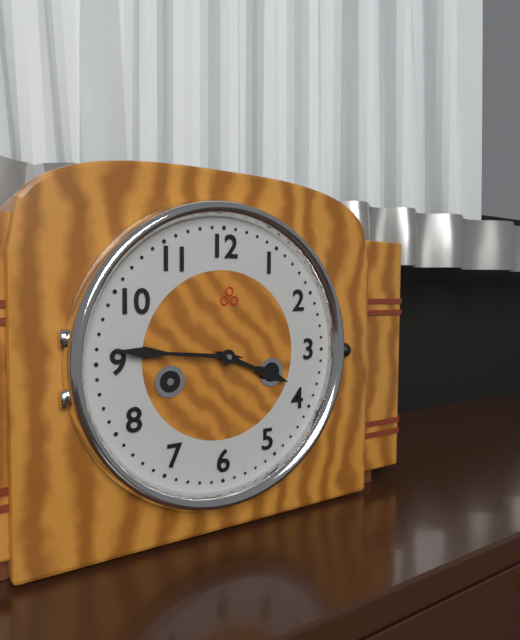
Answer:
3h46
